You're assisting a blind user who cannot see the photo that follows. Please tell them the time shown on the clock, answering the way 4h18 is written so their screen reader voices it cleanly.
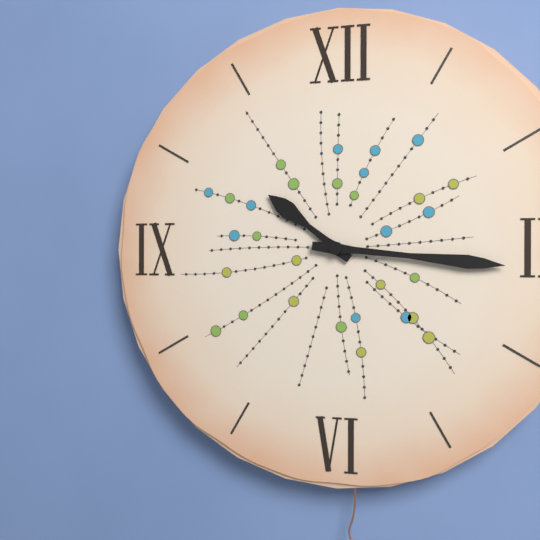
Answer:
10h16
